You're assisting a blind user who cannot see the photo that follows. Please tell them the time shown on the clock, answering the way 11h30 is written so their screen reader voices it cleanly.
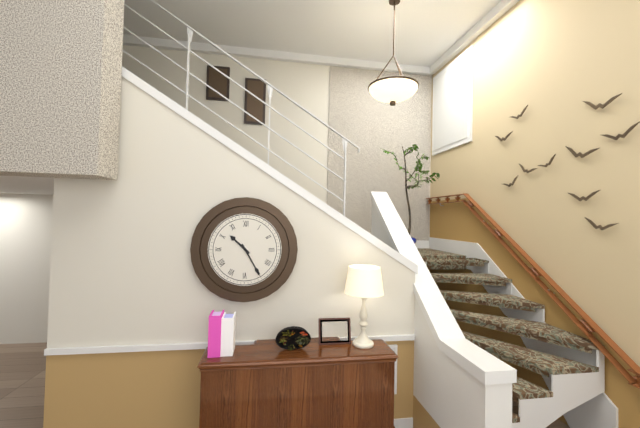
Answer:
10h25
